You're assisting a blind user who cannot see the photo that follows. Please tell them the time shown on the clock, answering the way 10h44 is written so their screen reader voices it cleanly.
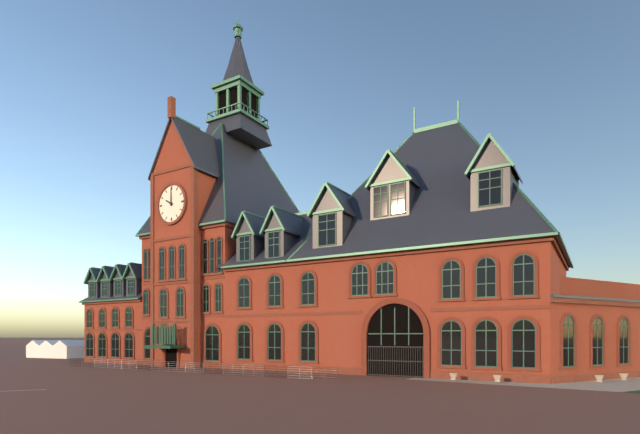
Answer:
10h00
